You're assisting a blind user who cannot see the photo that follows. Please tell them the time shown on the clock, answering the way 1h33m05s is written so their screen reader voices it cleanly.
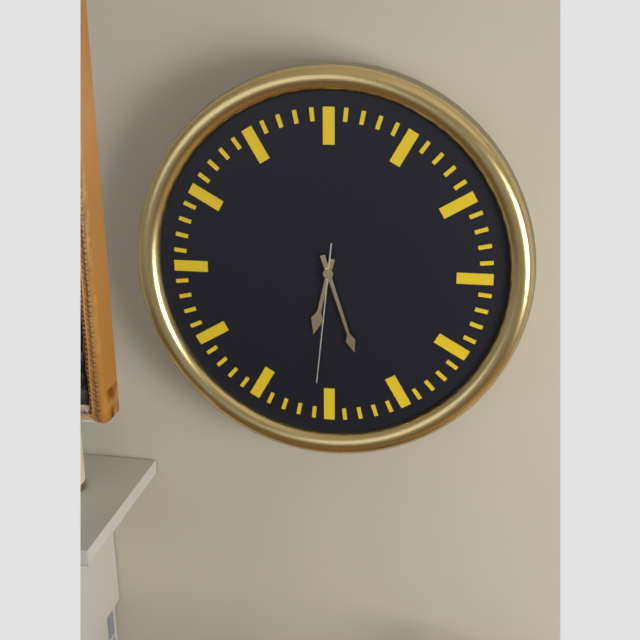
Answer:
6h27m31s
